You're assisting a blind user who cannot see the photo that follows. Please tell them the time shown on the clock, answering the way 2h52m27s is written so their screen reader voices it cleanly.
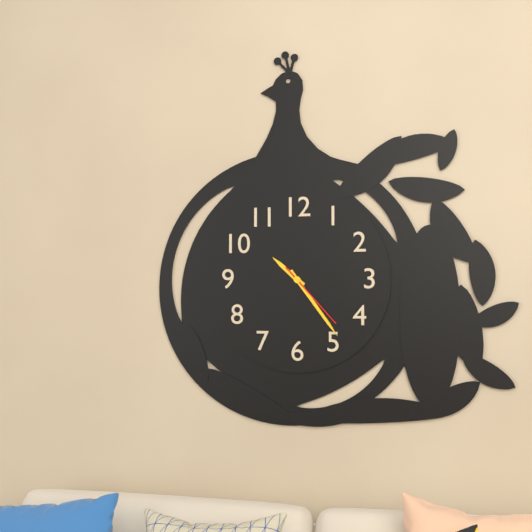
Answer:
10h24m23s
